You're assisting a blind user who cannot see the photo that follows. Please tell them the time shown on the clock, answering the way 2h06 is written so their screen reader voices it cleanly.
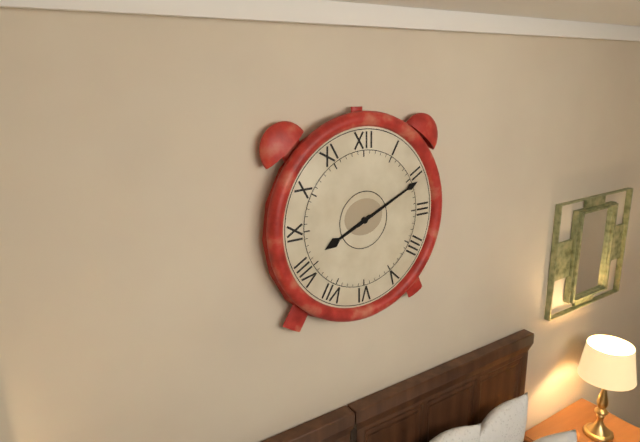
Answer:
8h11
